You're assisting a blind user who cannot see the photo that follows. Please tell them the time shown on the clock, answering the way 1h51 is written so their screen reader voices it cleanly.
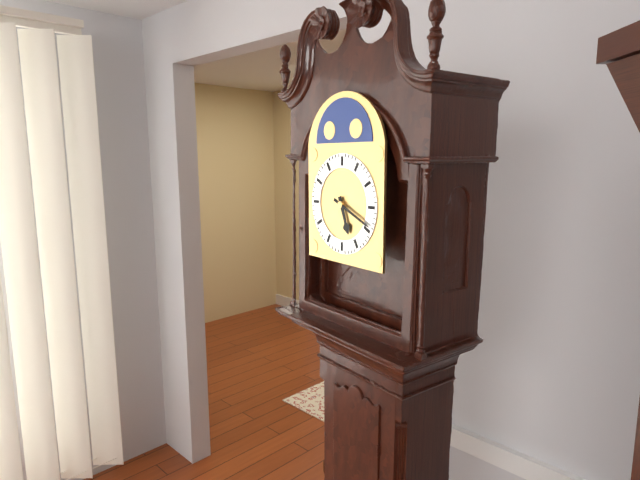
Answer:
5h19
